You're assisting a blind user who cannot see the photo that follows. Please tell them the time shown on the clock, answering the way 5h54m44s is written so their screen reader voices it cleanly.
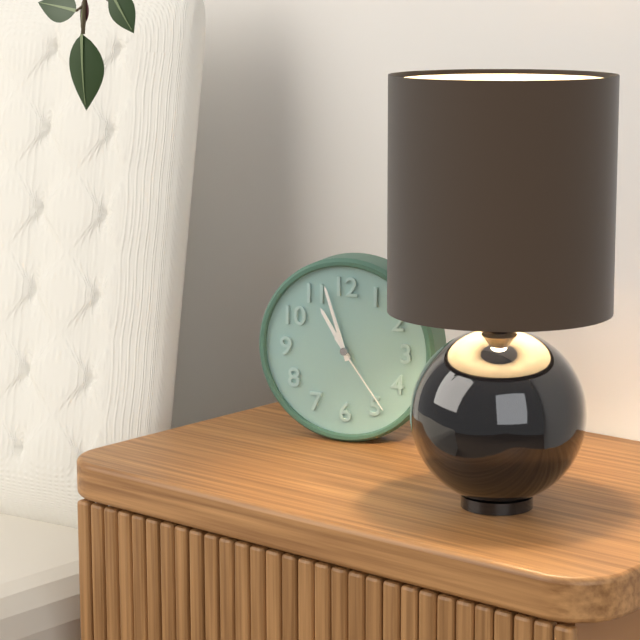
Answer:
10h57m24s
